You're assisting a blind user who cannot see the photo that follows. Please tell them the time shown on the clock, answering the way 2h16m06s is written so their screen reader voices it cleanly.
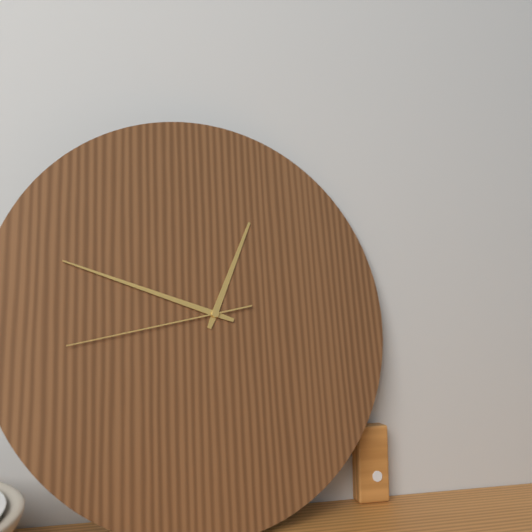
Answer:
12h48m43s
